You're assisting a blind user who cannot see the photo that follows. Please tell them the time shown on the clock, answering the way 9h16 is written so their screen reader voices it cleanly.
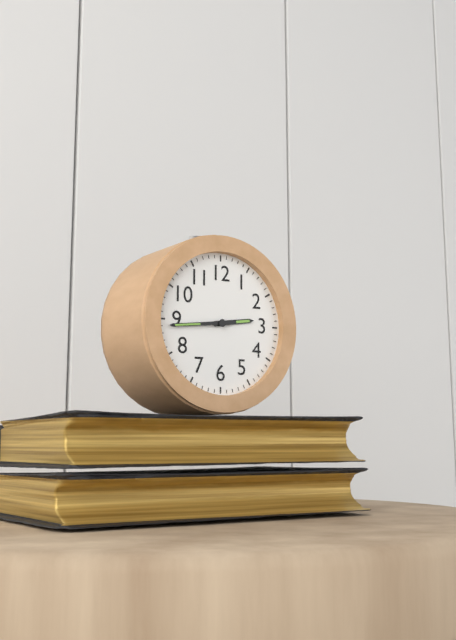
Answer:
2h44
